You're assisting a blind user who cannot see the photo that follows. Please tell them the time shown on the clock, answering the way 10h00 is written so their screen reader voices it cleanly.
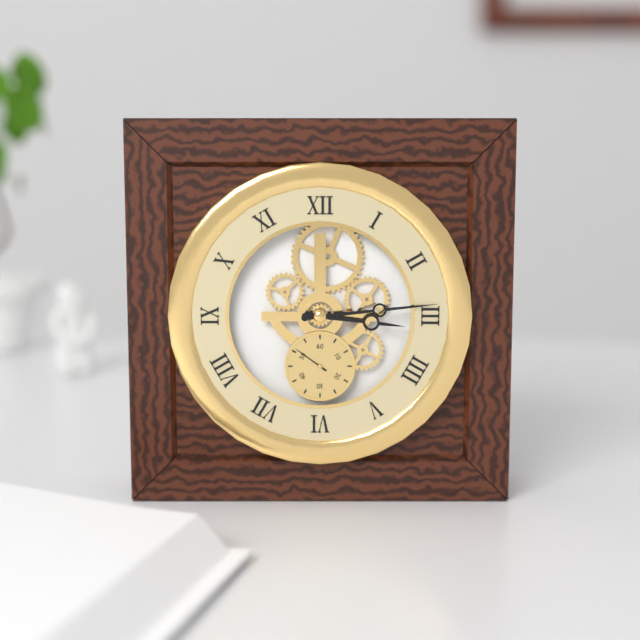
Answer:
3h14
